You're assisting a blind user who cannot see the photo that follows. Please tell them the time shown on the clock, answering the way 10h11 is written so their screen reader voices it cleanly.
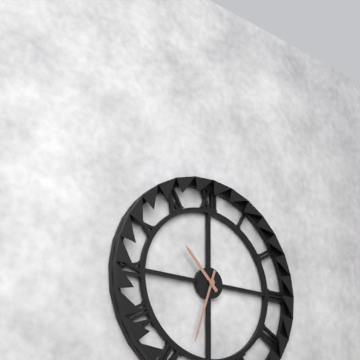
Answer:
10h33
